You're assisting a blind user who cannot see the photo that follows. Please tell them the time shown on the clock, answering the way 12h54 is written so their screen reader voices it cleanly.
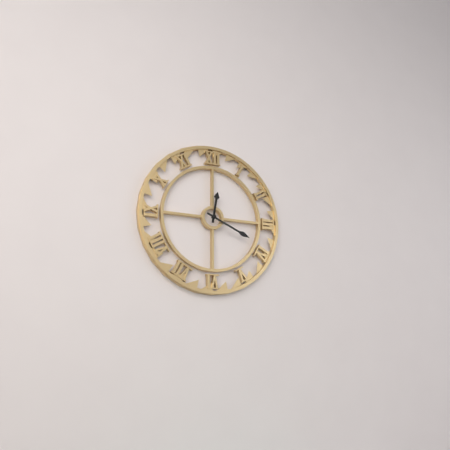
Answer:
12h19
